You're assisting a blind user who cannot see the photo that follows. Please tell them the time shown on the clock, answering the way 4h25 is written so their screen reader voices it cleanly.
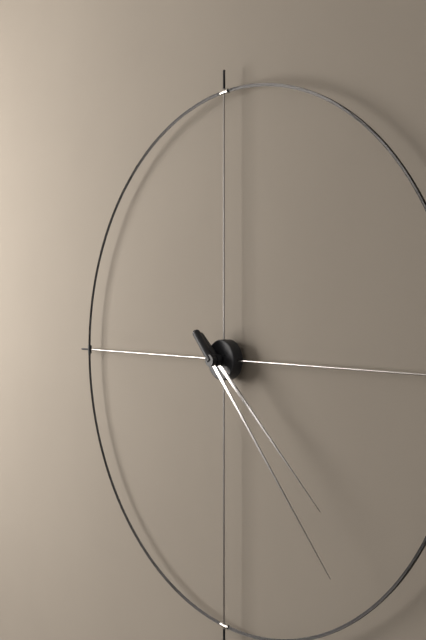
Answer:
4h23
